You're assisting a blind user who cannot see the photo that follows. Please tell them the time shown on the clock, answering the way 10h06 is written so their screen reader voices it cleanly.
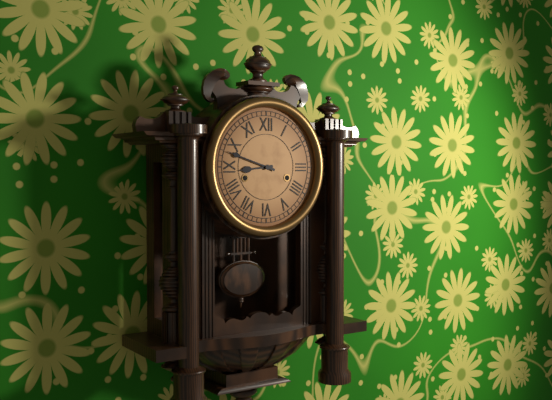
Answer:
8h48
